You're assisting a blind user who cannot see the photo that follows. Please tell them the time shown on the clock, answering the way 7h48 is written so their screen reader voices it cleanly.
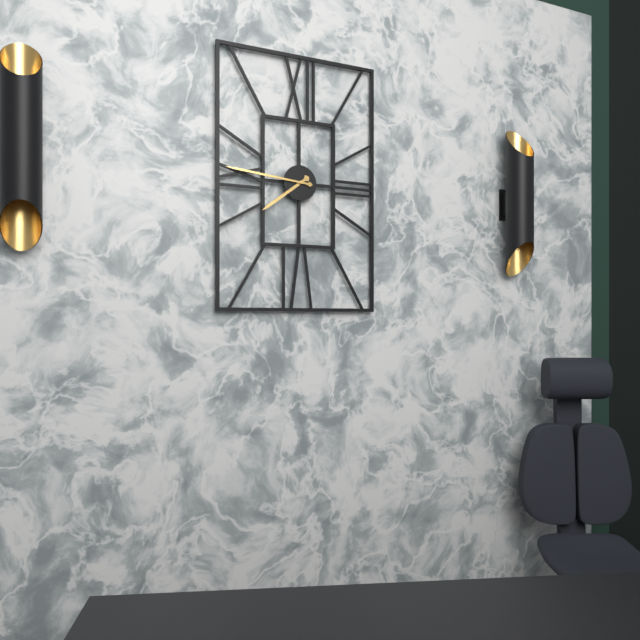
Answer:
7h46
